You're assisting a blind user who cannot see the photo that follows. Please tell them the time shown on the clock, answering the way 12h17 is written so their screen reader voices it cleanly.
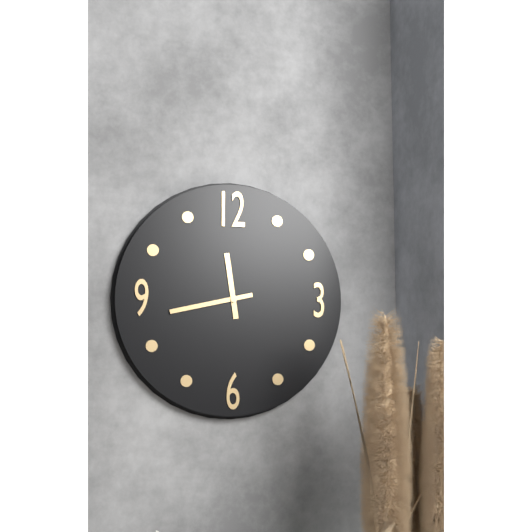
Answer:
11h43
